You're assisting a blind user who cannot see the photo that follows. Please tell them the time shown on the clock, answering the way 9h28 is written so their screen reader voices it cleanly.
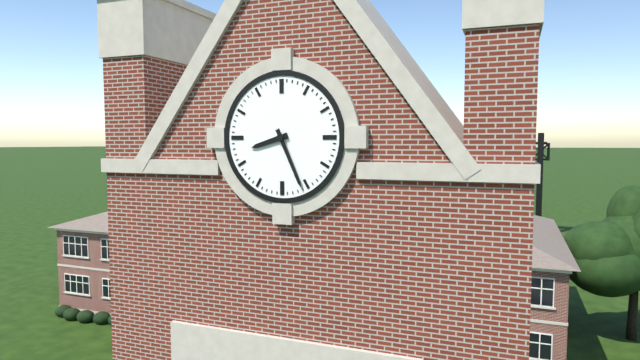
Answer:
8h26
